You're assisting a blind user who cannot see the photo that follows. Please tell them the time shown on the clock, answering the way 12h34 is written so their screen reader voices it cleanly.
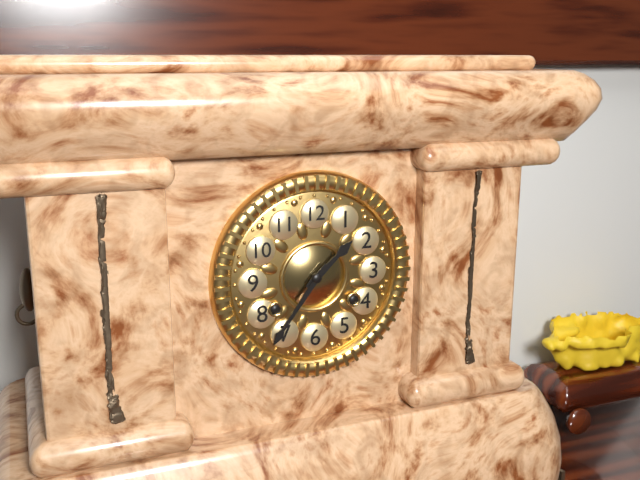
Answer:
1h36
